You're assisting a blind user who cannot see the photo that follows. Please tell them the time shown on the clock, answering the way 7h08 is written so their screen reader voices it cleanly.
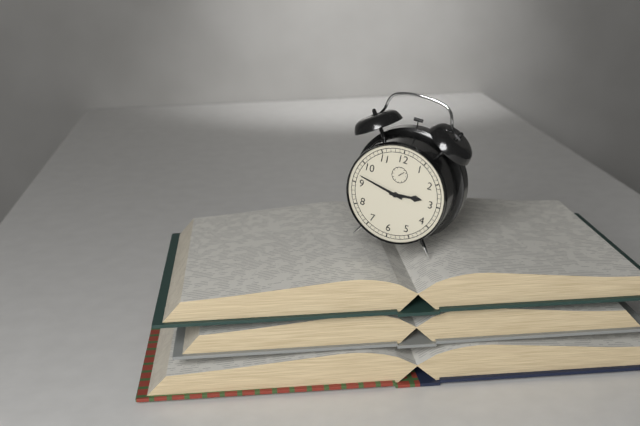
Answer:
2h47
